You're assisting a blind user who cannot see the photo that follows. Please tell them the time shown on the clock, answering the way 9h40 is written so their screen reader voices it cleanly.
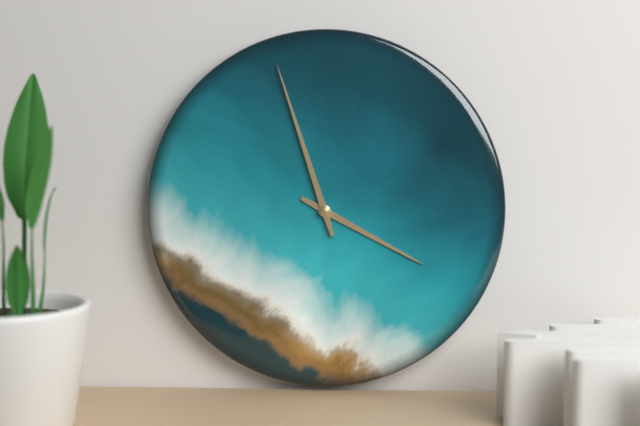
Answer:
3h57
